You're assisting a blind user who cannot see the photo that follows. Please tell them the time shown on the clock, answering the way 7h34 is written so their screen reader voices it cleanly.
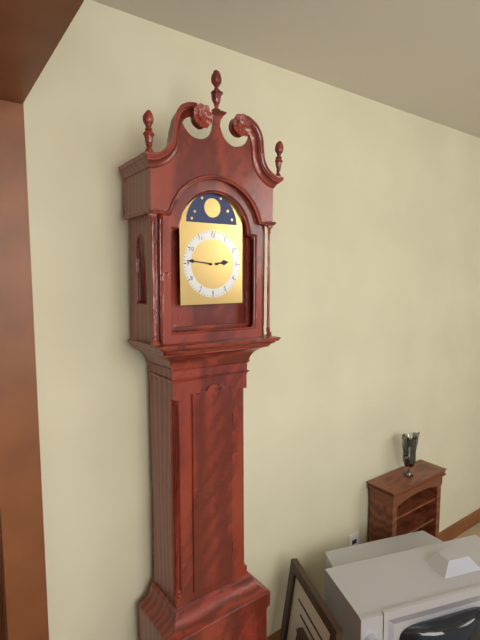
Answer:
2h46
